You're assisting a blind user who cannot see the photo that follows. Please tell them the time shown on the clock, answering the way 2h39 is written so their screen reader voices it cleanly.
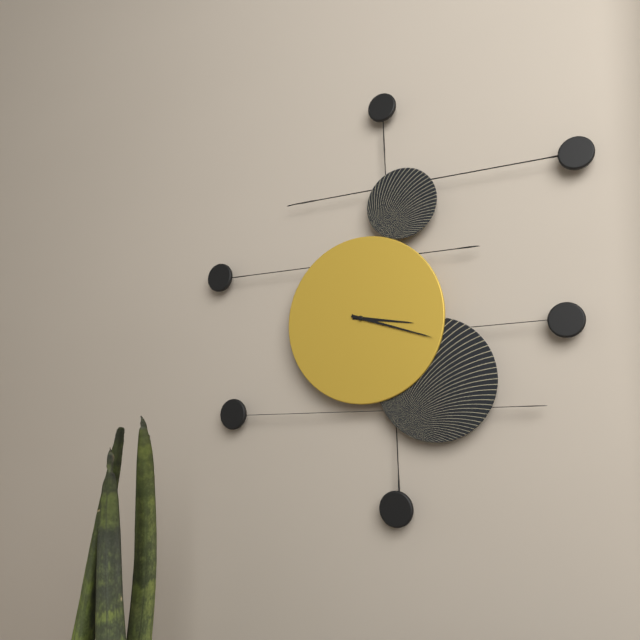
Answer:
3h18
